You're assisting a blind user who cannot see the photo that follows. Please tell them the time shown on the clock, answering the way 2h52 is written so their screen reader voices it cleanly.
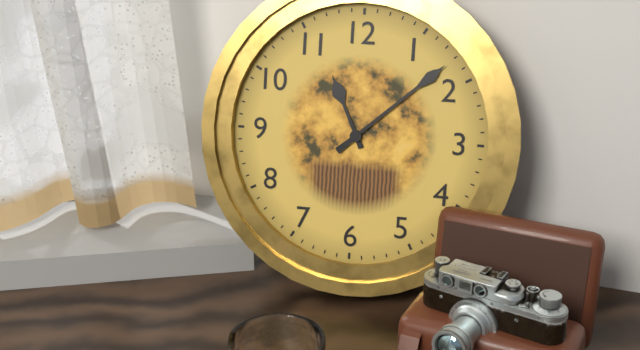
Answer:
11h08
